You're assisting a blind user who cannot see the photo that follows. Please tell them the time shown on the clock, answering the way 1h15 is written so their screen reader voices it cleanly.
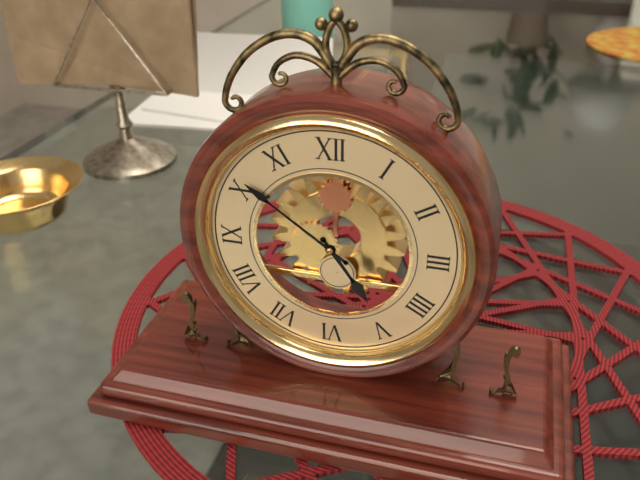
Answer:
4h51
